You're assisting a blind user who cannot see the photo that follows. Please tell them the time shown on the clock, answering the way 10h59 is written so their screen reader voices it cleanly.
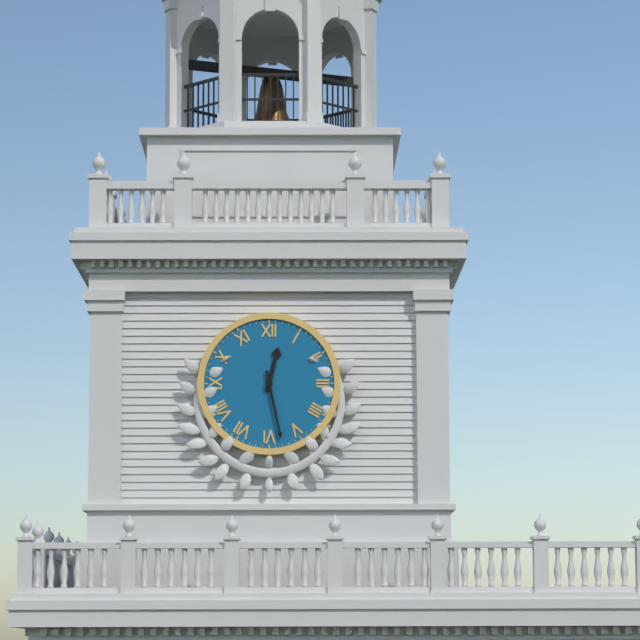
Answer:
12h28
